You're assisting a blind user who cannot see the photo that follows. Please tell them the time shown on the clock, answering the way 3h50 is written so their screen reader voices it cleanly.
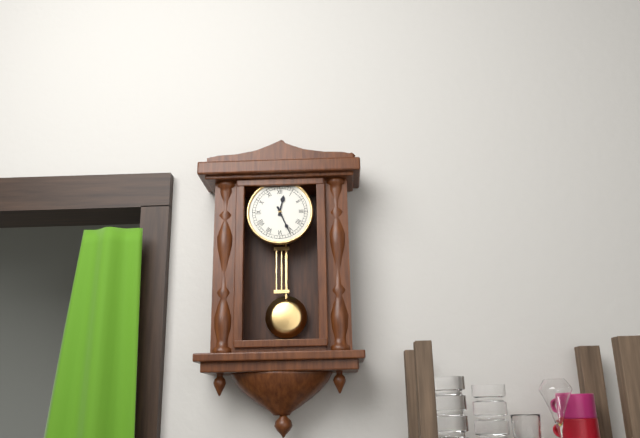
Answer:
12h26
